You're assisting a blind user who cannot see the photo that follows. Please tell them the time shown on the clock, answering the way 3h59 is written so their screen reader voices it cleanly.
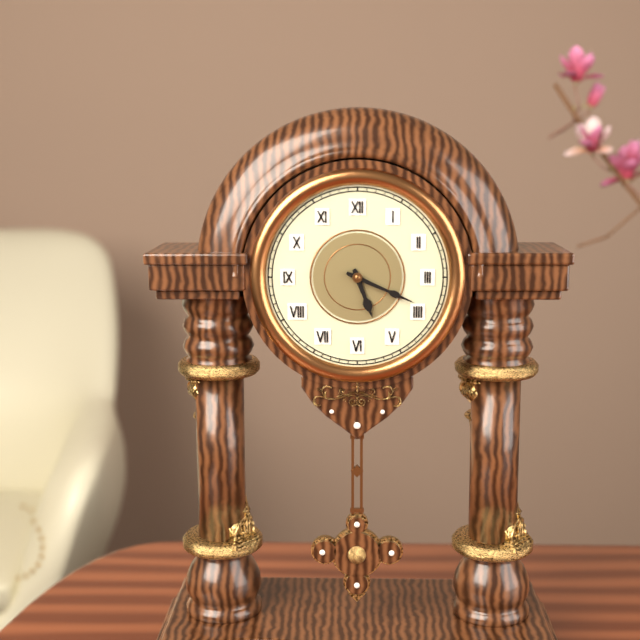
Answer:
5h19
